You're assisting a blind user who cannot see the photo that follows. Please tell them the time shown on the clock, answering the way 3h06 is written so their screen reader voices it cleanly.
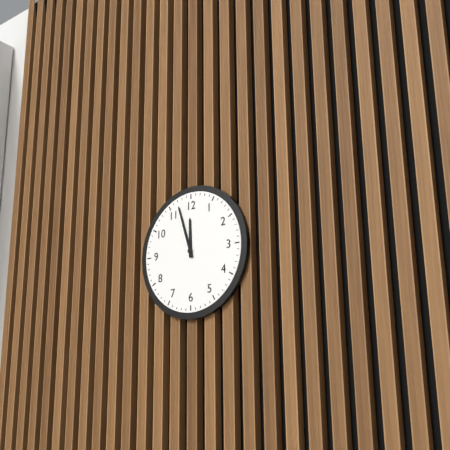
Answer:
11h57
